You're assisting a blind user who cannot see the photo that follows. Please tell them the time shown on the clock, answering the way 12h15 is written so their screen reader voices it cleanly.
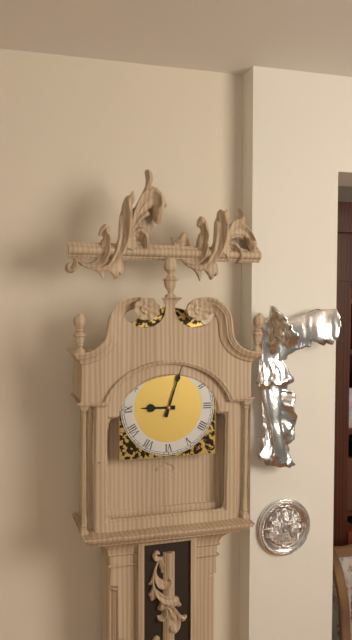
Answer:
9h03
